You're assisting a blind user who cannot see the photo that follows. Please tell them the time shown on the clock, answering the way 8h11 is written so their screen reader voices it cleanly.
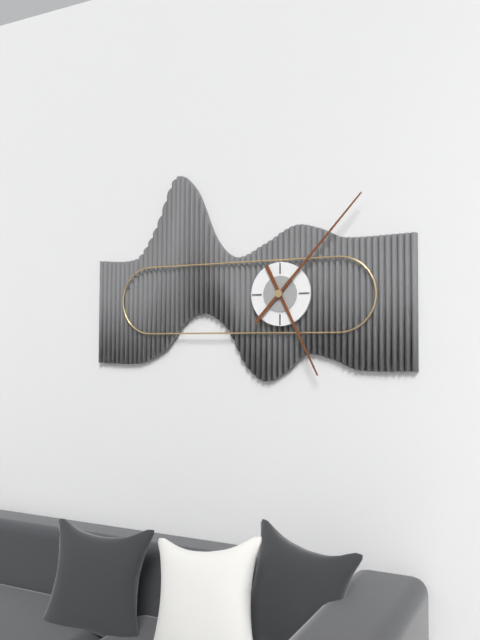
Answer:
5h07
